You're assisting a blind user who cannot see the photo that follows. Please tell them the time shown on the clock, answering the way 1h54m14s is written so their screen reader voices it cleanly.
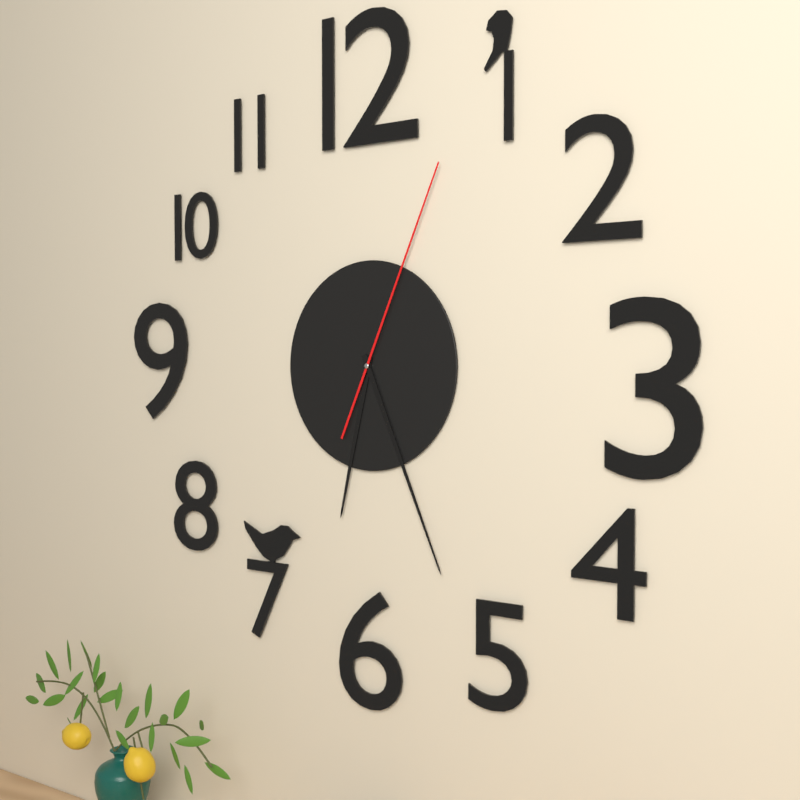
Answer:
6h26m04s
